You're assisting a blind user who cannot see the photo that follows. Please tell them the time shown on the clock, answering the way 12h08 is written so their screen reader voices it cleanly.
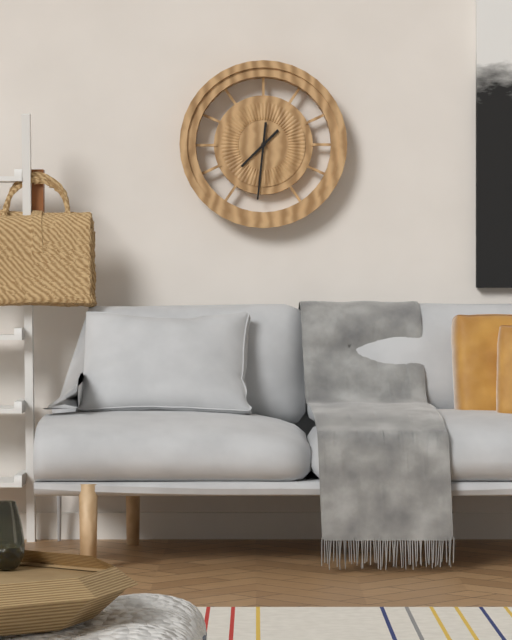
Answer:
7h31
